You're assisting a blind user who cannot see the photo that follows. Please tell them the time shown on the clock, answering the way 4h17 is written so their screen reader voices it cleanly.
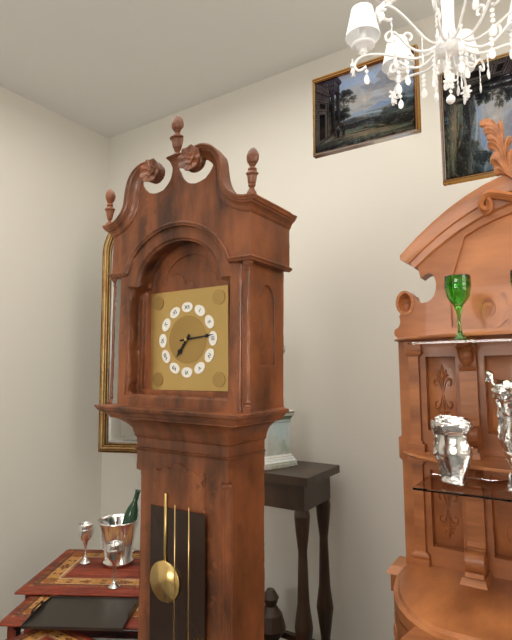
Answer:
7h14
